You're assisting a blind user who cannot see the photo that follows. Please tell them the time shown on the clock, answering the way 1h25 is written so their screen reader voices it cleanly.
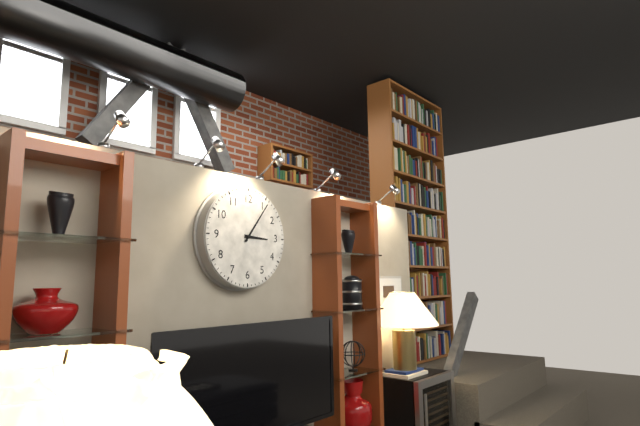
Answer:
3h06
